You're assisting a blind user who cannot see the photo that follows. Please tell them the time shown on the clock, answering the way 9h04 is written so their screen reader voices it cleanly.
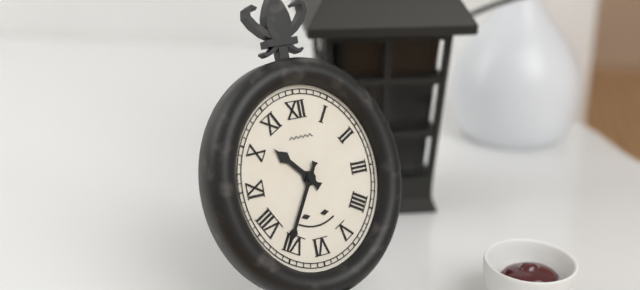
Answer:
10h35
